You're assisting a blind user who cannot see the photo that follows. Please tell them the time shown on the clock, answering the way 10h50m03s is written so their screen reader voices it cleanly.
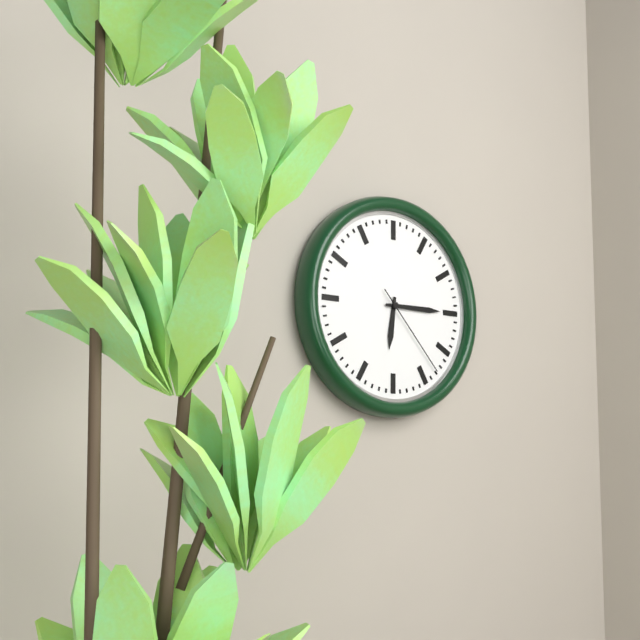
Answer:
6h15m23s
